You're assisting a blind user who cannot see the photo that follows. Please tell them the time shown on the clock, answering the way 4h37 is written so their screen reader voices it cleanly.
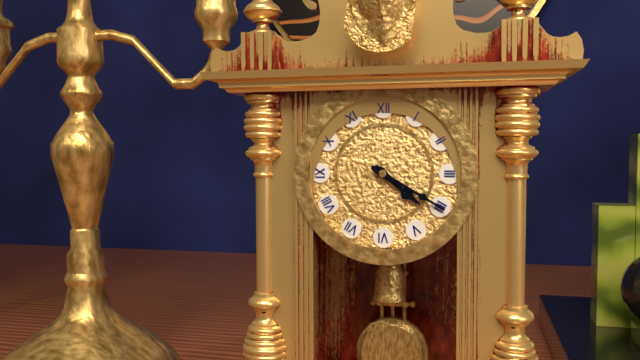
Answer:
4h20
